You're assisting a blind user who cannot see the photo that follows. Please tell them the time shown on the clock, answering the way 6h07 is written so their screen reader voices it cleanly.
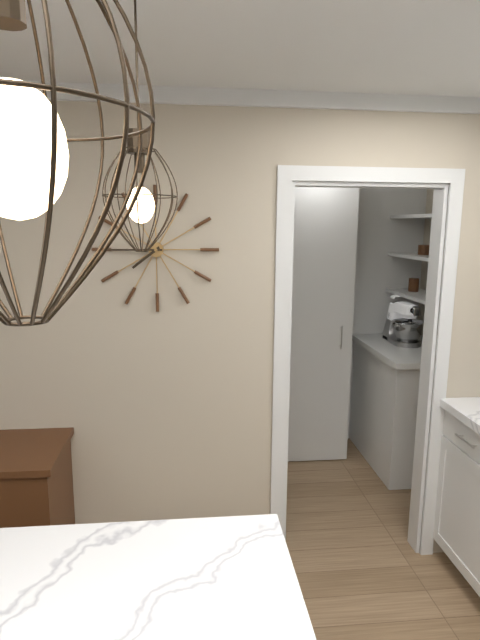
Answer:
7h45
